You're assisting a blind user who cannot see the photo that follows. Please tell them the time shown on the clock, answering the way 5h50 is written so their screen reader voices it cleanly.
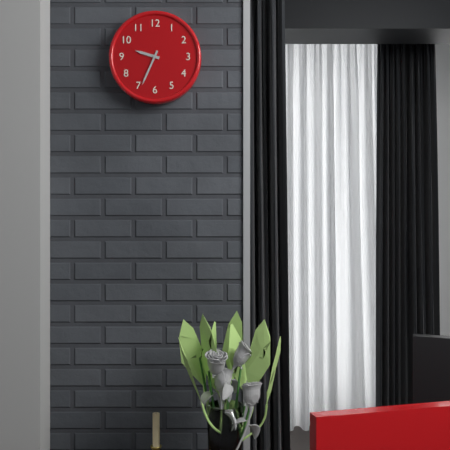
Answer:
9h34
